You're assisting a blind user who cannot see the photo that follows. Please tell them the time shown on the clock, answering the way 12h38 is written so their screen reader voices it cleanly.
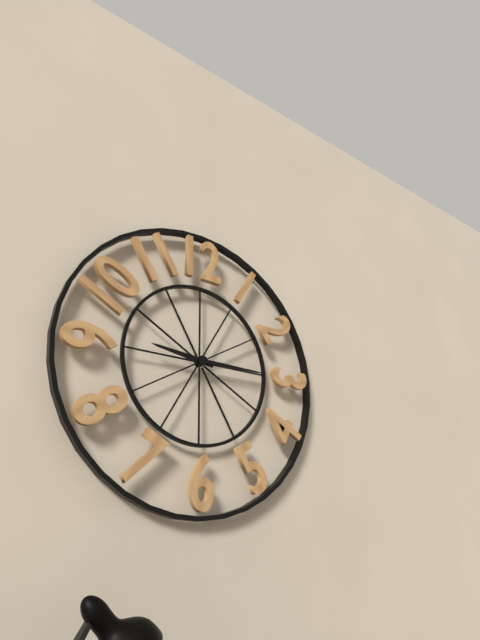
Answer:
9h15
